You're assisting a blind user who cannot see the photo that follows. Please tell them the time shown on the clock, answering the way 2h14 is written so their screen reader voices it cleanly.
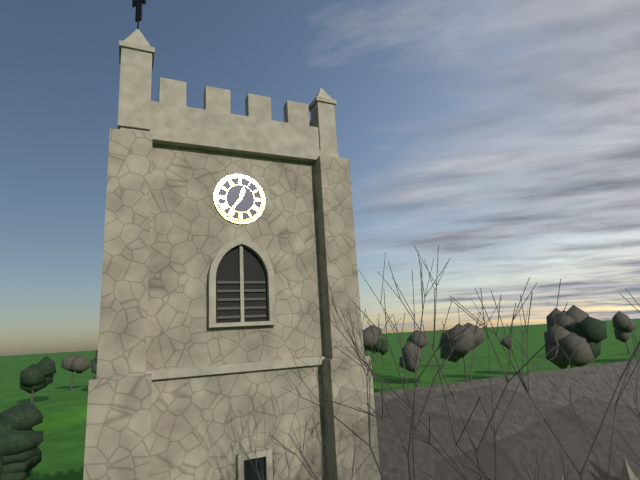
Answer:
12h36
